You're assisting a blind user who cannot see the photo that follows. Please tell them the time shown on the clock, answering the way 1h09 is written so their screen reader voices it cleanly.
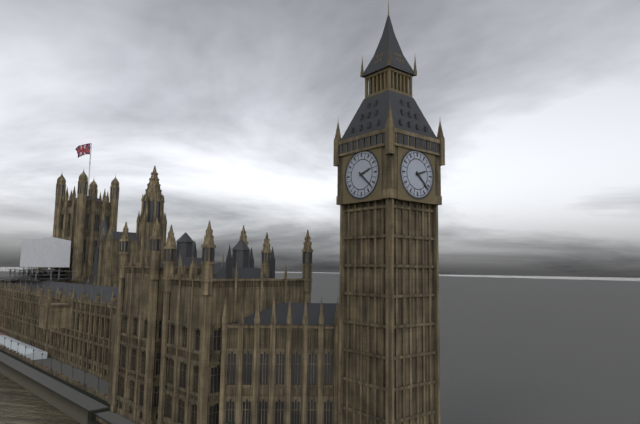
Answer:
2h22
